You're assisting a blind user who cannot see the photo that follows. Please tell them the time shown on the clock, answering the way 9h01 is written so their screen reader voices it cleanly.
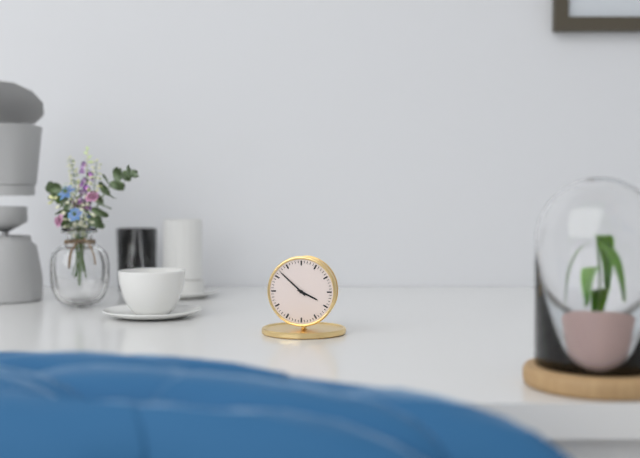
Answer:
3h52
